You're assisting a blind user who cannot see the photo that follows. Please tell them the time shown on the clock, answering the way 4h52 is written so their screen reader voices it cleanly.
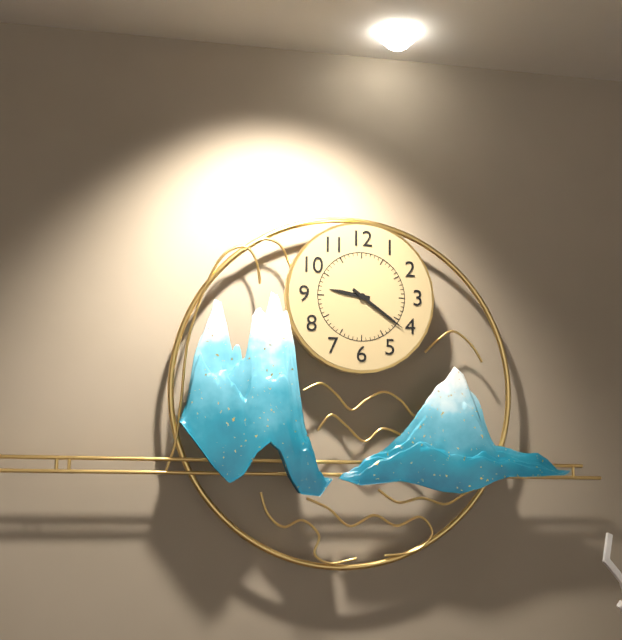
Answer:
9h21
